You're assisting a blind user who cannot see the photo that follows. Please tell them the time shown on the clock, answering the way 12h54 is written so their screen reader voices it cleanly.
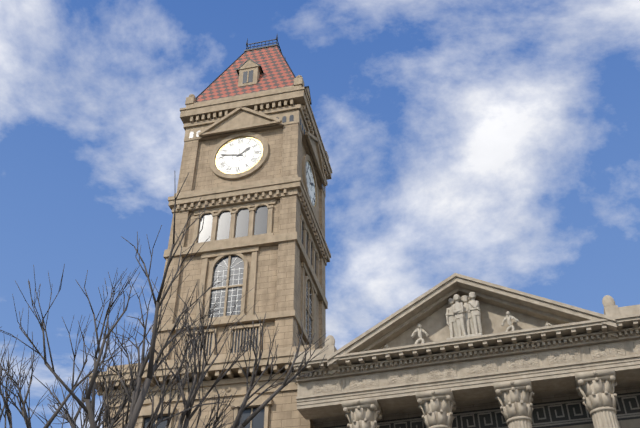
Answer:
1h47
